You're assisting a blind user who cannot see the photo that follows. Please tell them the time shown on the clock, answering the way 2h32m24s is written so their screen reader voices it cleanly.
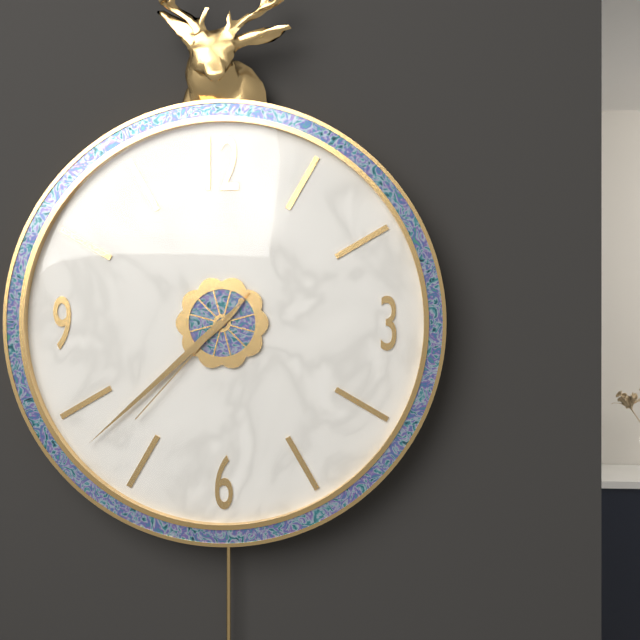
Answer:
7h38m37s
